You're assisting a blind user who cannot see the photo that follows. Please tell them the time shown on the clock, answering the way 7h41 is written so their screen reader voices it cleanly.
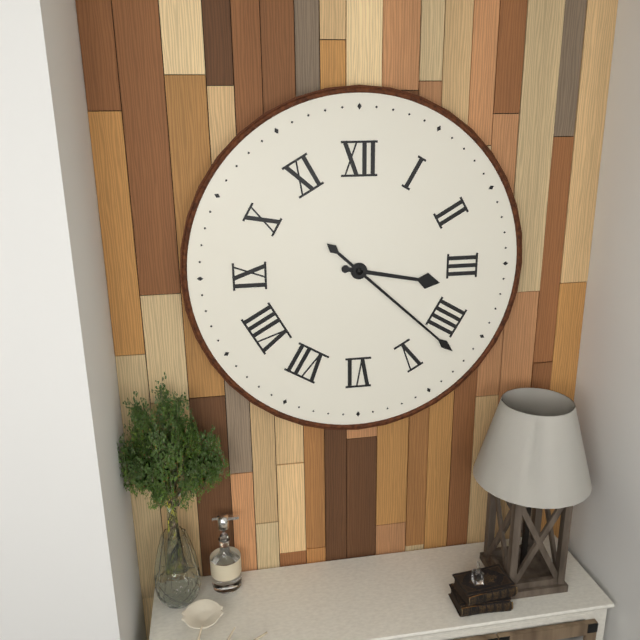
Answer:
3h22
